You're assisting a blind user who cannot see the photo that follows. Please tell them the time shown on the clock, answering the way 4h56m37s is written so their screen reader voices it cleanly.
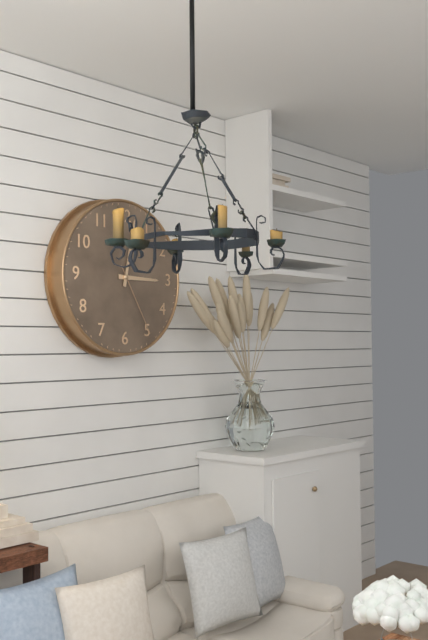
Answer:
3h02m25s
